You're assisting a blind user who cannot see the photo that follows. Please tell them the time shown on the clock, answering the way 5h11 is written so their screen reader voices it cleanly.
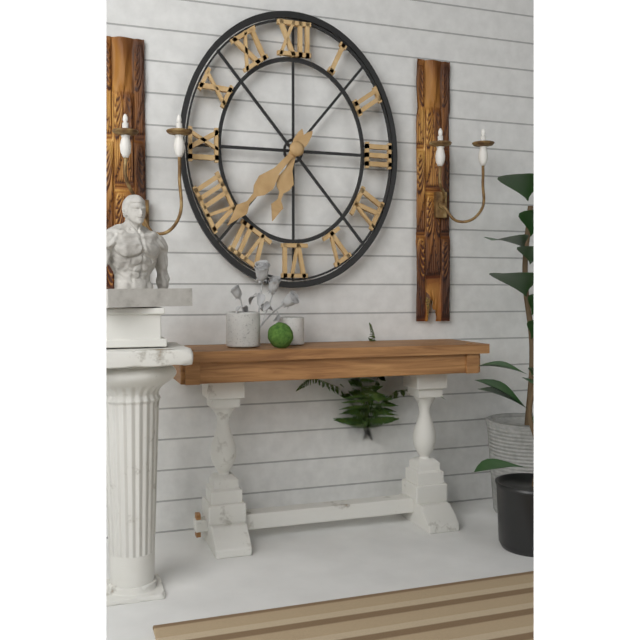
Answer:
6h37
